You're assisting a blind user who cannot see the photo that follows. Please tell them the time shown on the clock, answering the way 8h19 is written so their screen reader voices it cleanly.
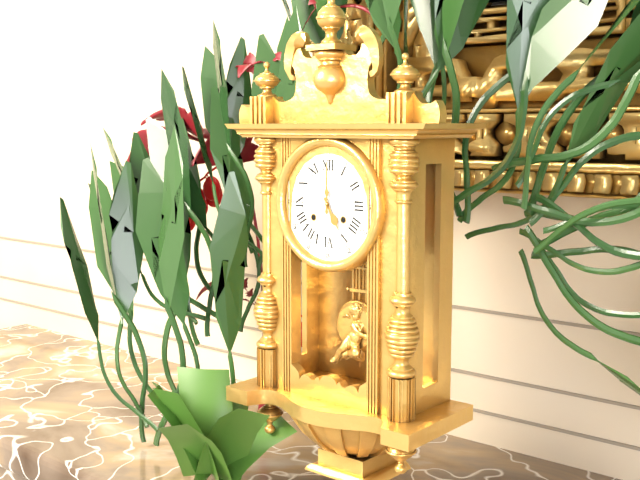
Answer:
5h00
